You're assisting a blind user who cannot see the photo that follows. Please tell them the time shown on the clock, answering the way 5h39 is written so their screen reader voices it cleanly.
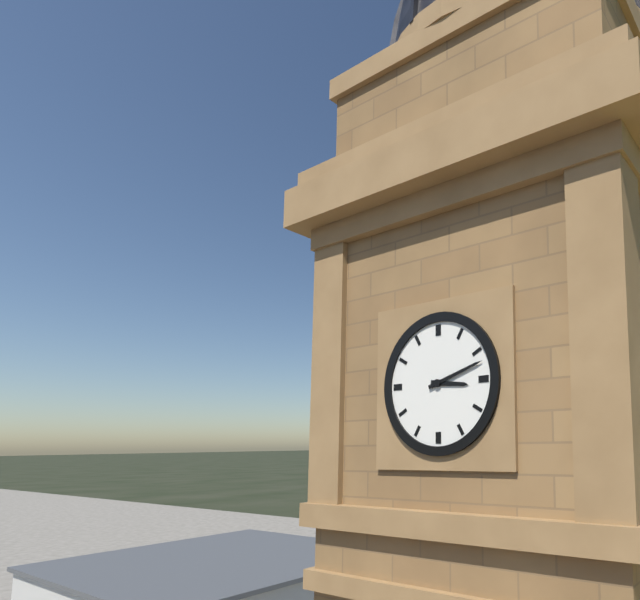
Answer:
3h12
